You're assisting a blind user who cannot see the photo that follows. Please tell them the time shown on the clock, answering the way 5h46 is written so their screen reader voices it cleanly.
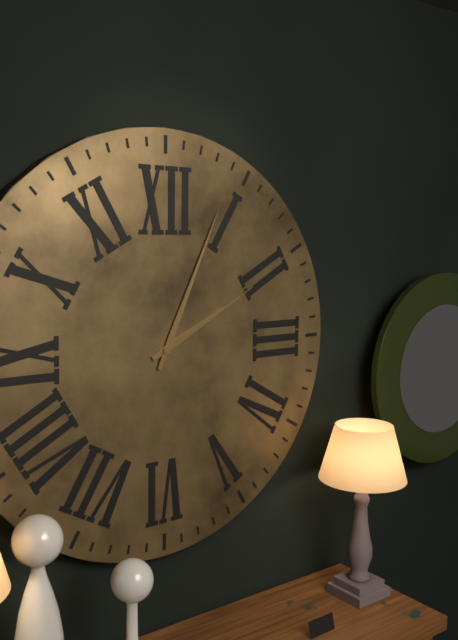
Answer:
2h04
